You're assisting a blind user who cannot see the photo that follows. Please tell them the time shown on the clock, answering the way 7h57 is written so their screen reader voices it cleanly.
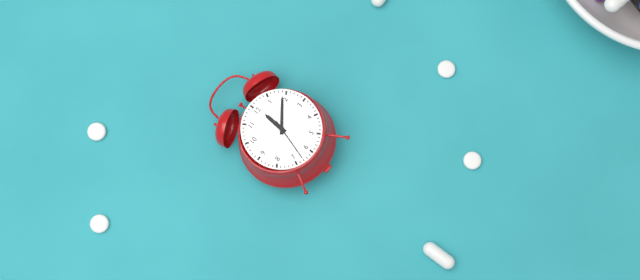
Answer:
12h09
